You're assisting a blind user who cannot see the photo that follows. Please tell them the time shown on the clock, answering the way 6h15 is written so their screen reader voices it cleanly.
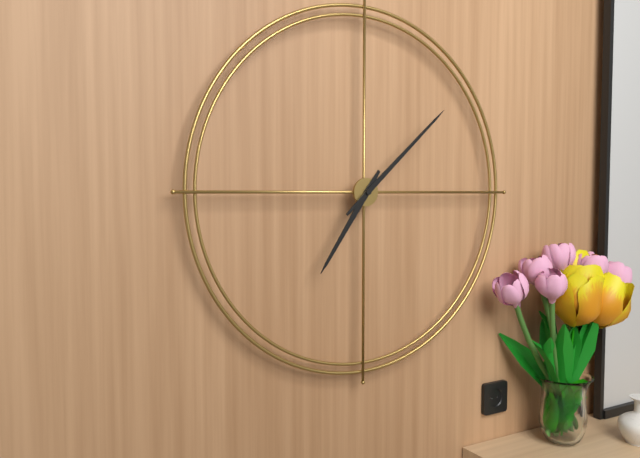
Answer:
7h08
